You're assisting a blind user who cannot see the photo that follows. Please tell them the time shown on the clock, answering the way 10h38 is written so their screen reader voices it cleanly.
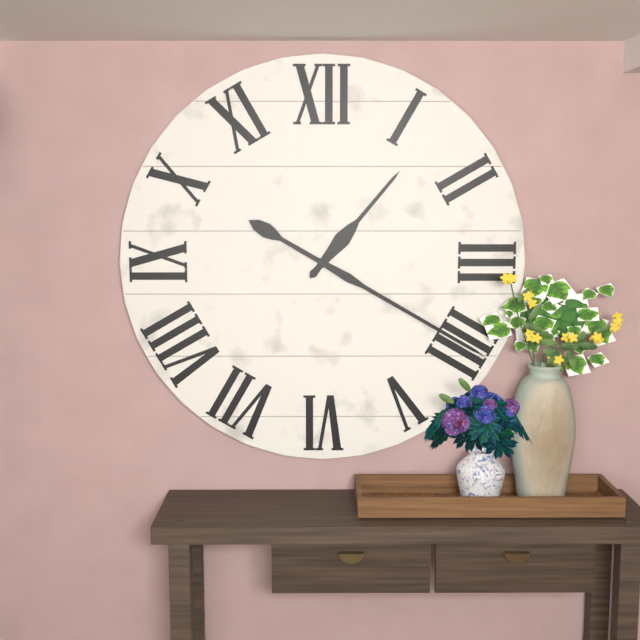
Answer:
1h20
